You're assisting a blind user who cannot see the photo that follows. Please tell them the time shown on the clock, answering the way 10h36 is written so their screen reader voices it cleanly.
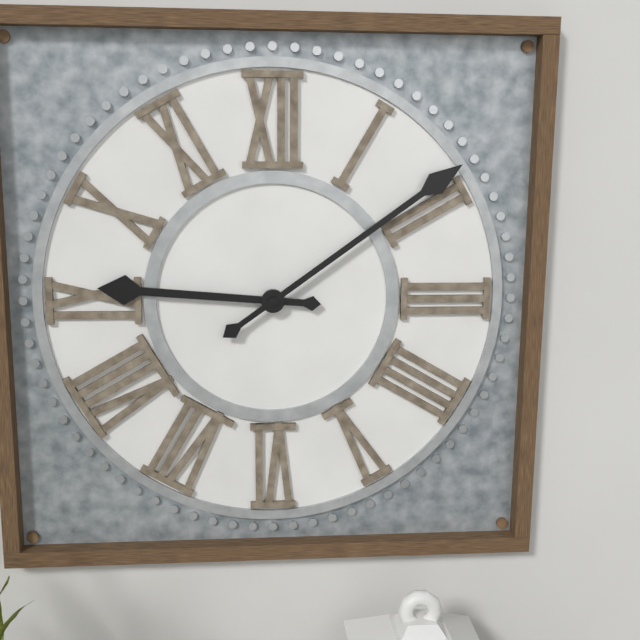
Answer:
9h09
